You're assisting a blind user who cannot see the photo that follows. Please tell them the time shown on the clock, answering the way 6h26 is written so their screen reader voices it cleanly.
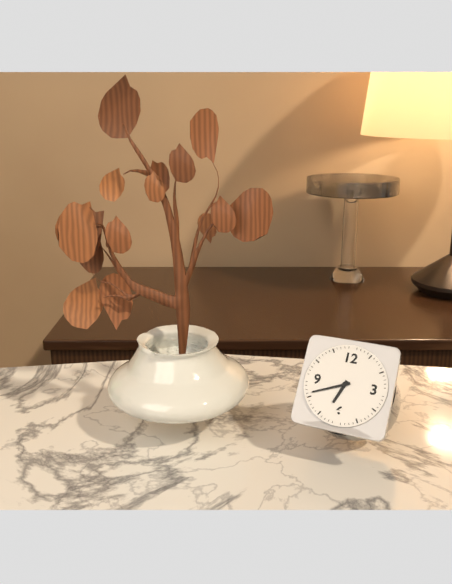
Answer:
6h41
